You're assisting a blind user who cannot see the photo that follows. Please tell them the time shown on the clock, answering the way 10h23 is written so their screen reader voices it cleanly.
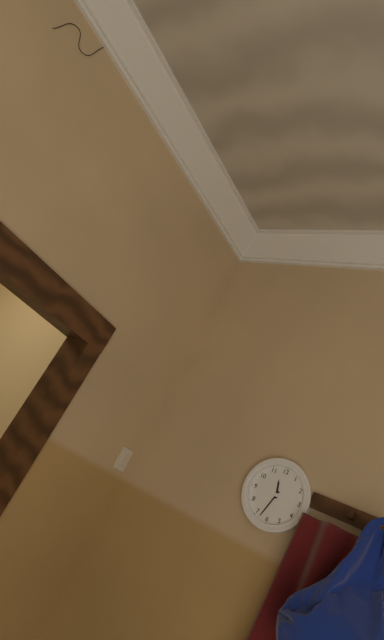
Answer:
11h33
